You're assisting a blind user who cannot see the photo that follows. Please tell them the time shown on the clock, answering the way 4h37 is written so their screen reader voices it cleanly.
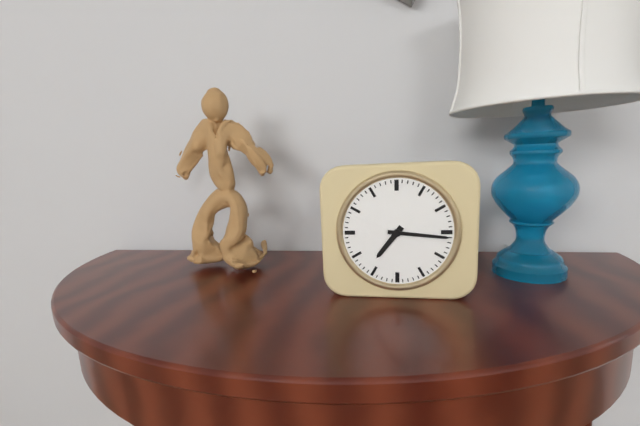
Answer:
7h16
